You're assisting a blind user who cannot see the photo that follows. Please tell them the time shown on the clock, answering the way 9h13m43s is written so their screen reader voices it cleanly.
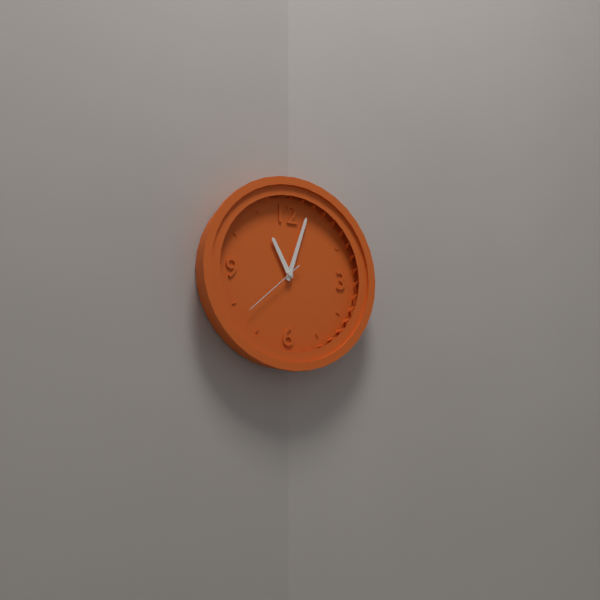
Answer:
11h03m38s
